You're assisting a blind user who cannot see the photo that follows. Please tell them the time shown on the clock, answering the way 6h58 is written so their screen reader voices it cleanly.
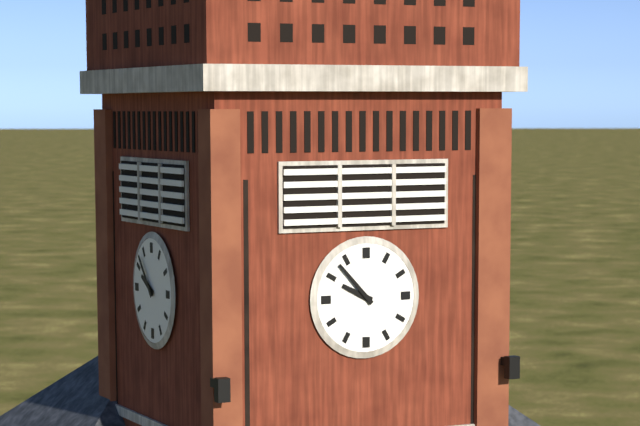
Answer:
9h53
